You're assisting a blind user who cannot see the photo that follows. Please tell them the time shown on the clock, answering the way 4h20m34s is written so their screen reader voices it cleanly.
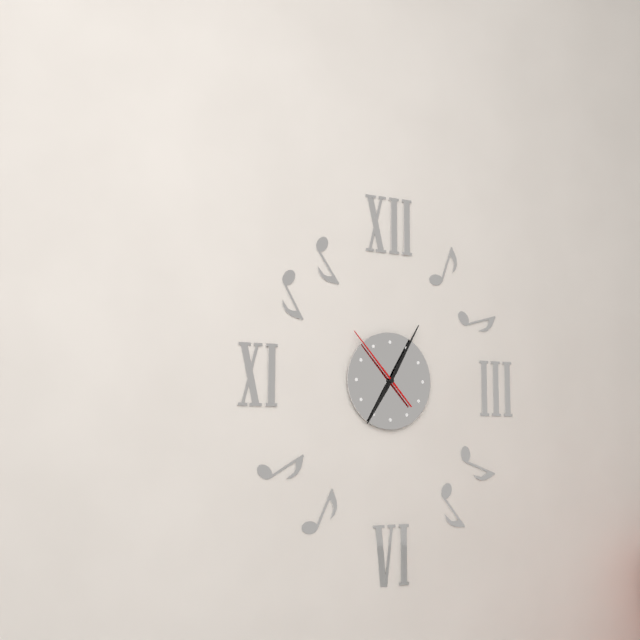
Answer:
7h05m53s
